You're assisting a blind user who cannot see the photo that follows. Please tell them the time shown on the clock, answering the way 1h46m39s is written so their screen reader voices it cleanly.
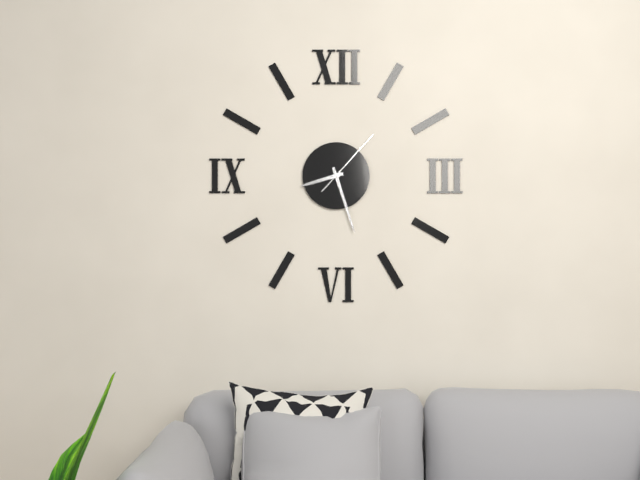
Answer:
8h27m07s
